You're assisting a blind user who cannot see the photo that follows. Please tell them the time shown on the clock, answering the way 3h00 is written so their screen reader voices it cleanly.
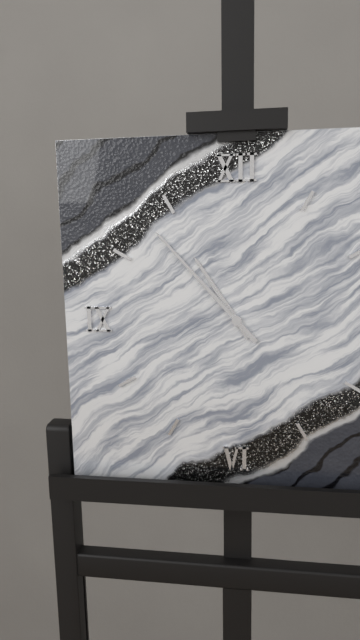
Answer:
10h53
